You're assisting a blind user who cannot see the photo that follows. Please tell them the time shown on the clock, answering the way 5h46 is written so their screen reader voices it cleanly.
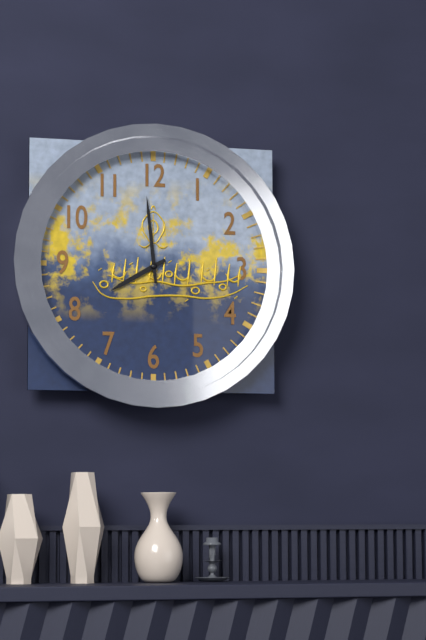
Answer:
7h59
